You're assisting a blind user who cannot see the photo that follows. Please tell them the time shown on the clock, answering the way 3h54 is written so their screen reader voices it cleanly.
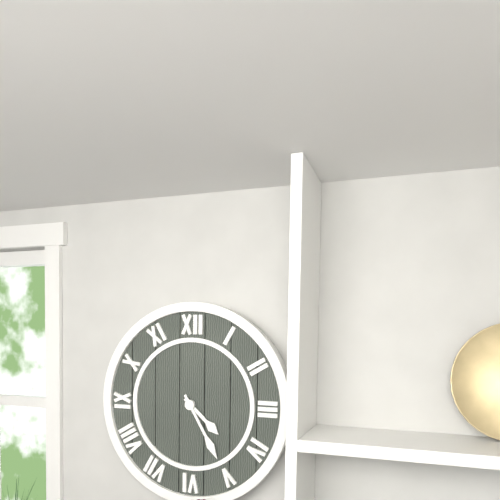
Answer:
4h25
